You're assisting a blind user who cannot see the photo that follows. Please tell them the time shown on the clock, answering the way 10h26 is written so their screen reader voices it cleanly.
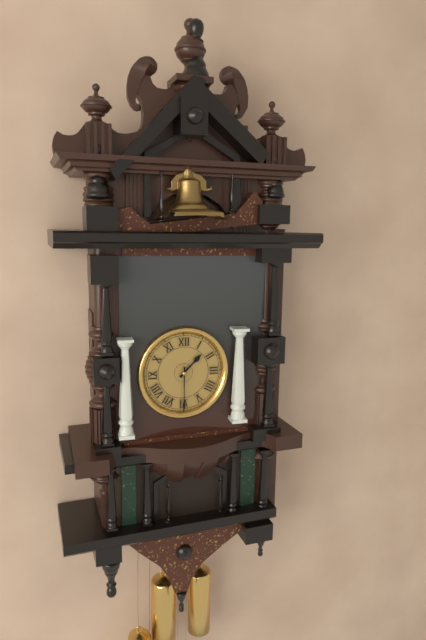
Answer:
1h30
